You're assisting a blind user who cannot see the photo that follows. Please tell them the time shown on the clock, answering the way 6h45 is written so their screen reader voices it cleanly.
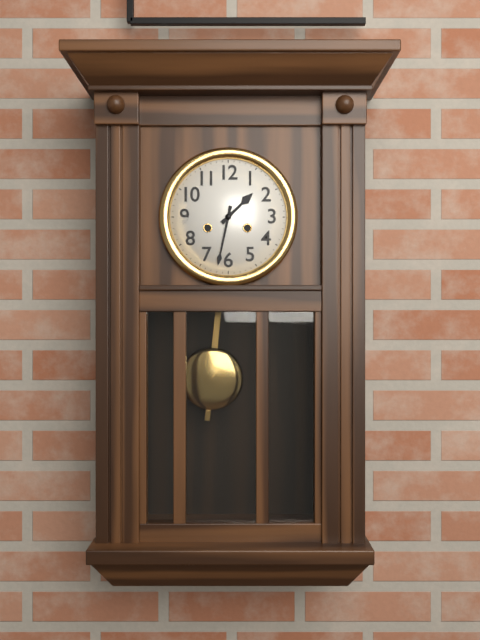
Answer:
1h32
